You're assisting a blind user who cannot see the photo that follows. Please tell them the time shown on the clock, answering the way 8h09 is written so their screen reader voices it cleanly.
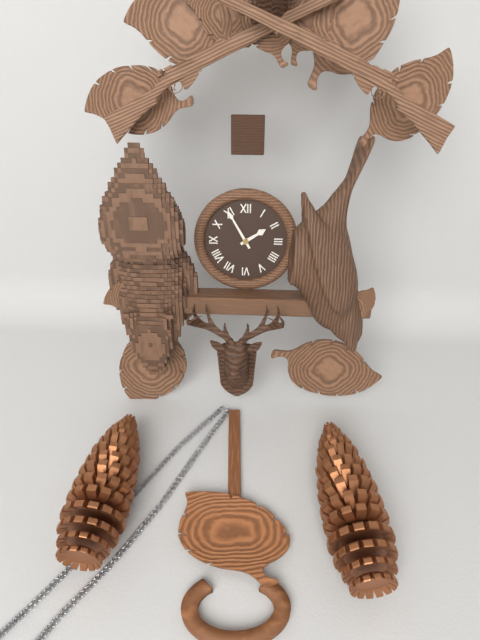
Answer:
1h55
